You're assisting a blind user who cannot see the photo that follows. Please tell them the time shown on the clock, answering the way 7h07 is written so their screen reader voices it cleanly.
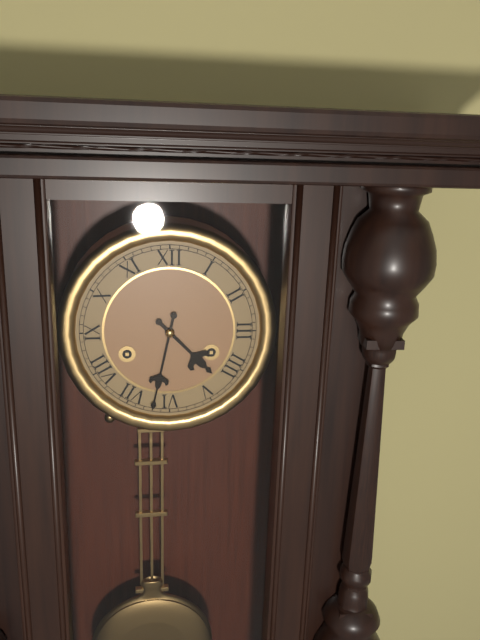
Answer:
4h32
